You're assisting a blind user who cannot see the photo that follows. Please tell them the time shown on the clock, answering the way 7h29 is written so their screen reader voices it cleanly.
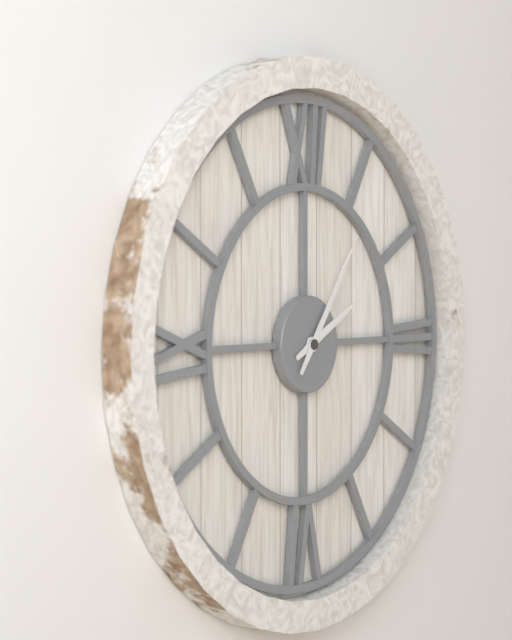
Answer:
2h06
